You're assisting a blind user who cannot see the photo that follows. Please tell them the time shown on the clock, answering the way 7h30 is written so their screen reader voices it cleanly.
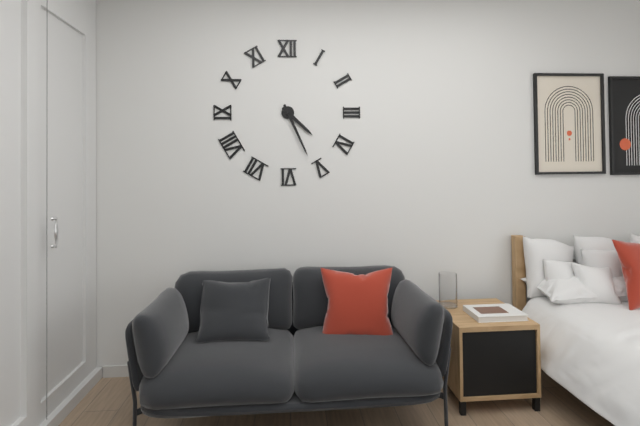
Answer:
4h26
